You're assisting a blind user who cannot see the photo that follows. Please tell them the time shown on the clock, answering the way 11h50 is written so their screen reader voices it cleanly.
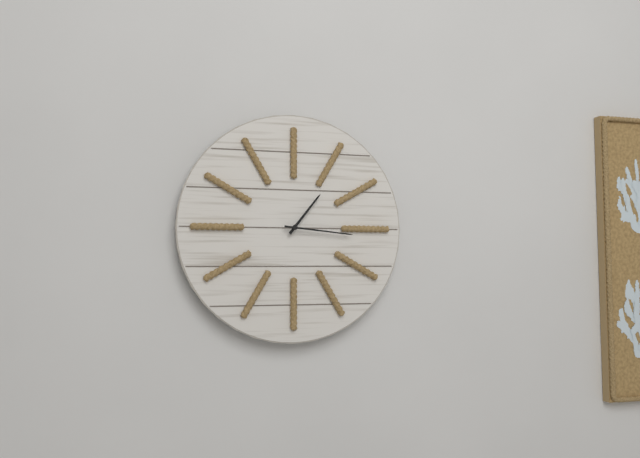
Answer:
1h16
